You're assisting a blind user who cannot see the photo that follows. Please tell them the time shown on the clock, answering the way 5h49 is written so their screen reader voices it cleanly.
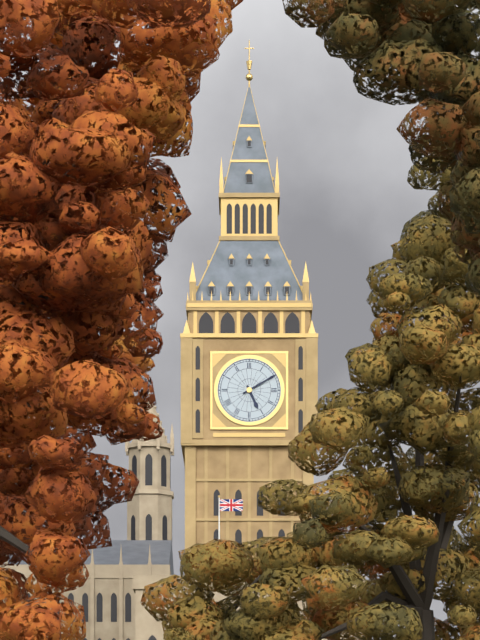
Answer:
5h10
